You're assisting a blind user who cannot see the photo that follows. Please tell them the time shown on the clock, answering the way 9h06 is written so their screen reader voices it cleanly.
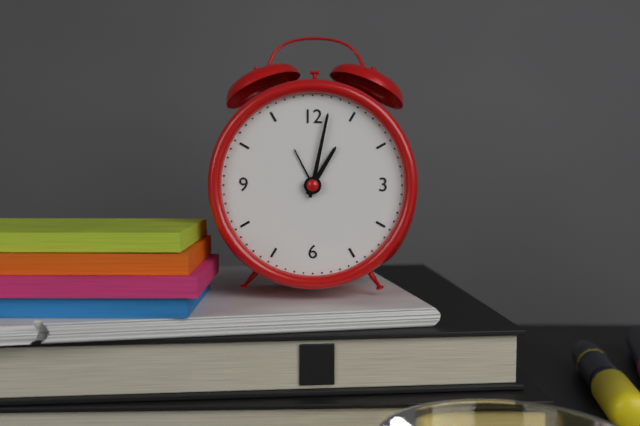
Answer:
1h02
